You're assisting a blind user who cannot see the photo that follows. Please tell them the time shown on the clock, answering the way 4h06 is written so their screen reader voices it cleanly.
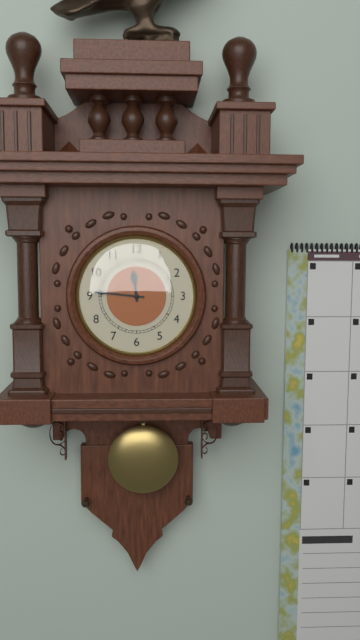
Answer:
11h46
